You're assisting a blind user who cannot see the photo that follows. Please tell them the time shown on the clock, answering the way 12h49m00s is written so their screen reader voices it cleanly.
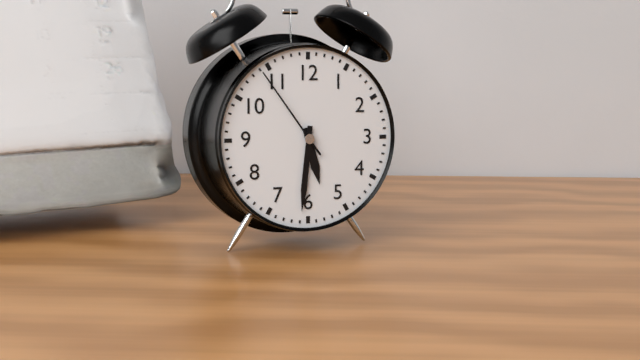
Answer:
5h31m54s
